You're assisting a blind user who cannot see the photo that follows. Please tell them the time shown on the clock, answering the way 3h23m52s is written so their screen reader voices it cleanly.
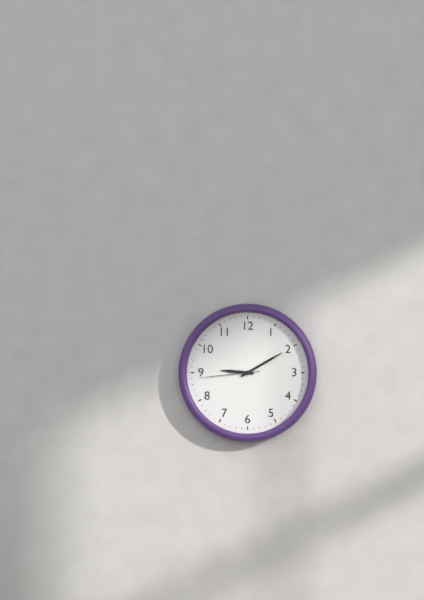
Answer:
9h10m44s
